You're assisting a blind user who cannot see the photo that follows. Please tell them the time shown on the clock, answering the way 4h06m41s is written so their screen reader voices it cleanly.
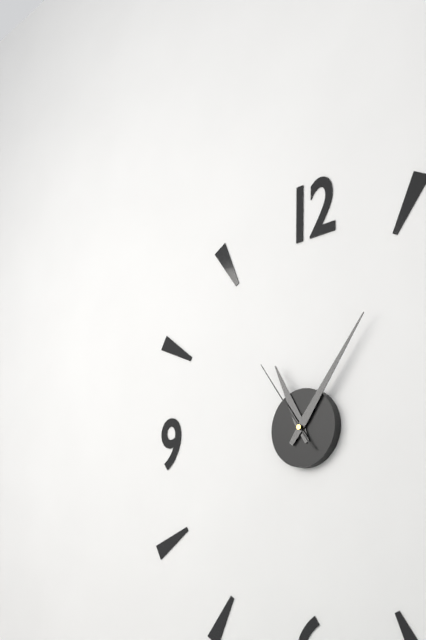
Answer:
11h06m54s
